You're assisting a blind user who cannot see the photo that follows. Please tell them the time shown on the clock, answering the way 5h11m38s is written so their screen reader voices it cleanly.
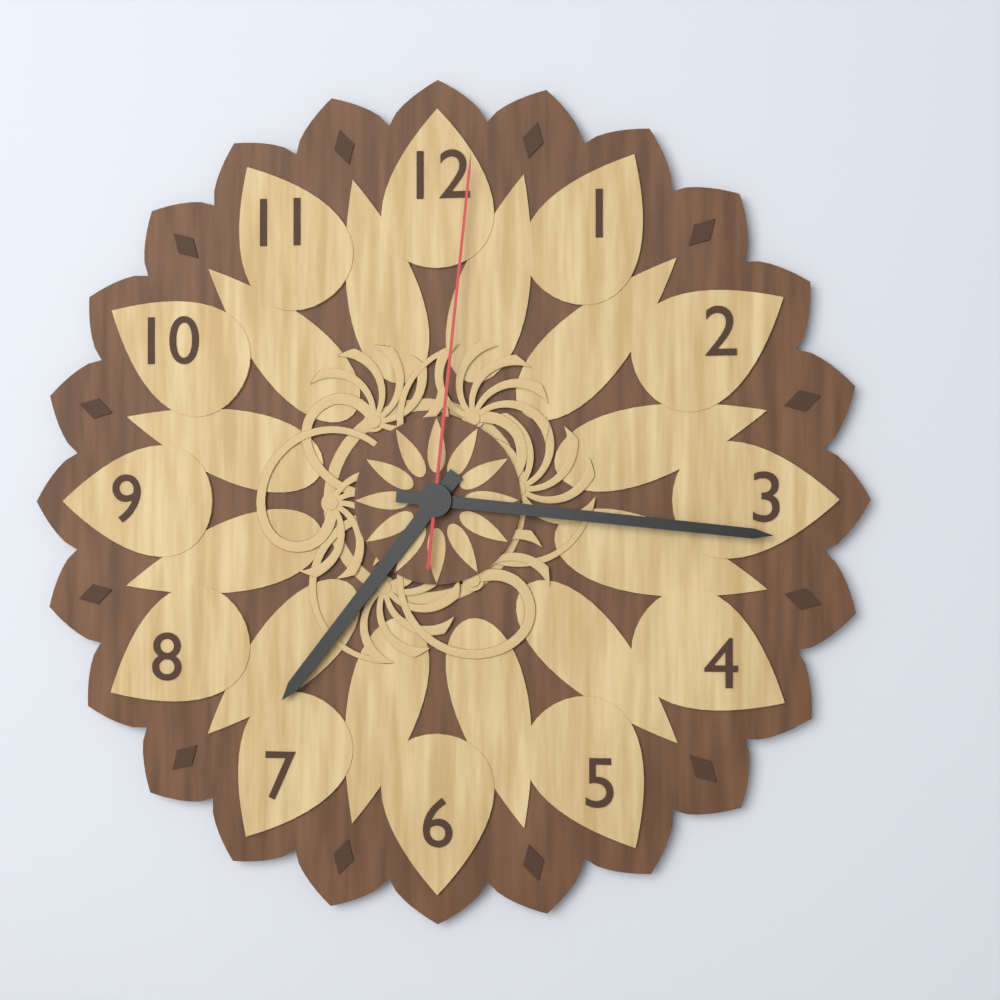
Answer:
7h16m01s
